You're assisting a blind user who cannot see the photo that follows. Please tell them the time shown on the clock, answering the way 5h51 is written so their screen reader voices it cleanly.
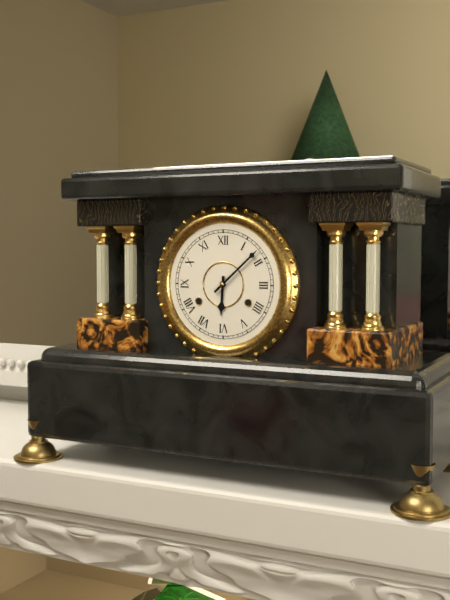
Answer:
6h08
